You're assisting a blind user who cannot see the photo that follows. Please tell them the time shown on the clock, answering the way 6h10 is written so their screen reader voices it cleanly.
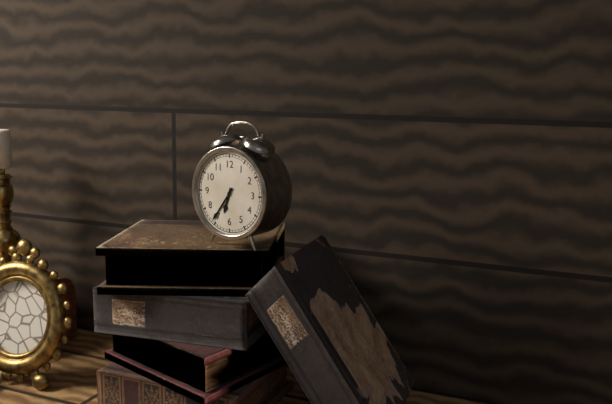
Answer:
6h36
